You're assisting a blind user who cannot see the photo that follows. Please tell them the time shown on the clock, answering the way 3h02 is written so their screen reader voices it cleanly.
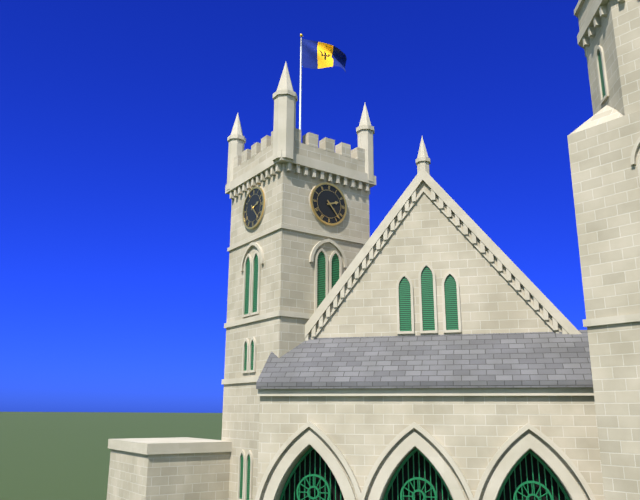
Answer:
2h23
